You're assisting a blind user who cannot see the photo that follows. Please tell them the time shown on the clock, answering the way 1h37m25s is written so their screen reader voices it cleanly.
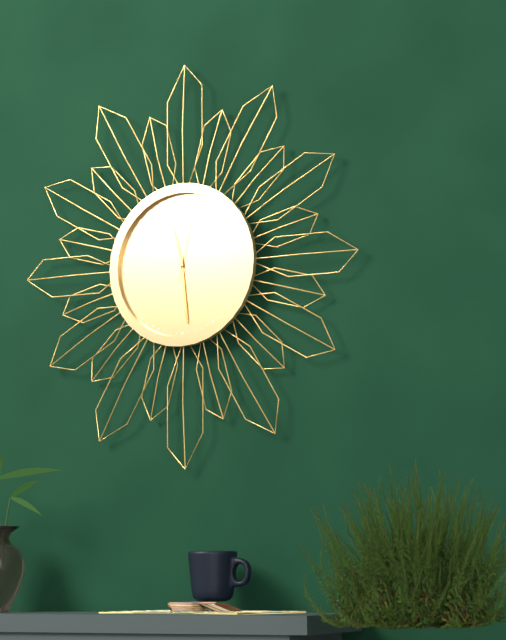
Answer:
11h29m02s
